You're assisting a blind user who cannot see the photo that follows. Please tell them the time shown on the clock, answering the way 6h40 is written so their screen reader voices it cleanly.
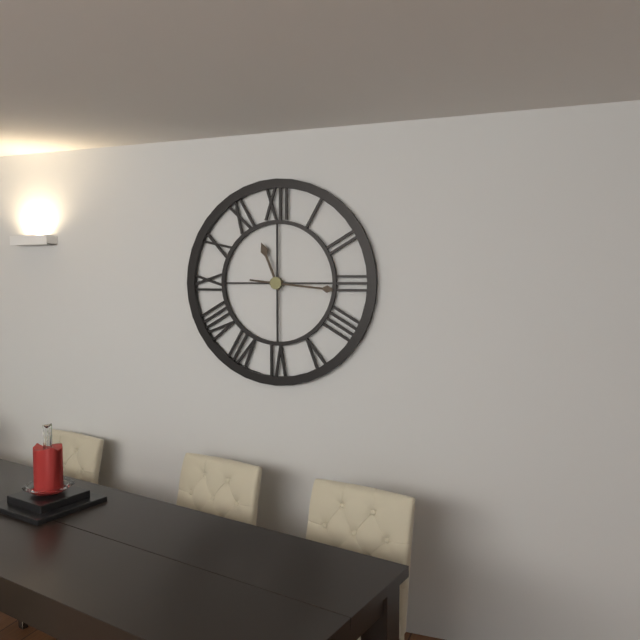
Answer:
11h16
